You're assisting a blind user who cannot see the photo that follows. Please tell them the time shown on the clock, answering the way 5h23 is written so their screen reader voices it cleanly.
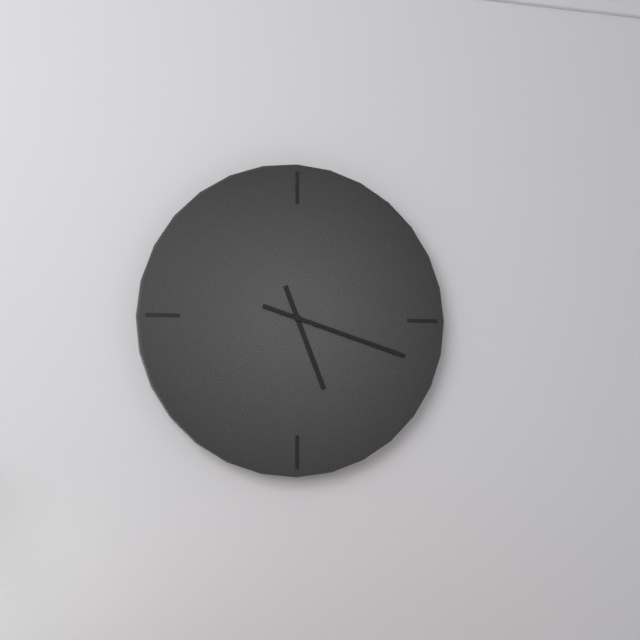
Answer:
5h18
